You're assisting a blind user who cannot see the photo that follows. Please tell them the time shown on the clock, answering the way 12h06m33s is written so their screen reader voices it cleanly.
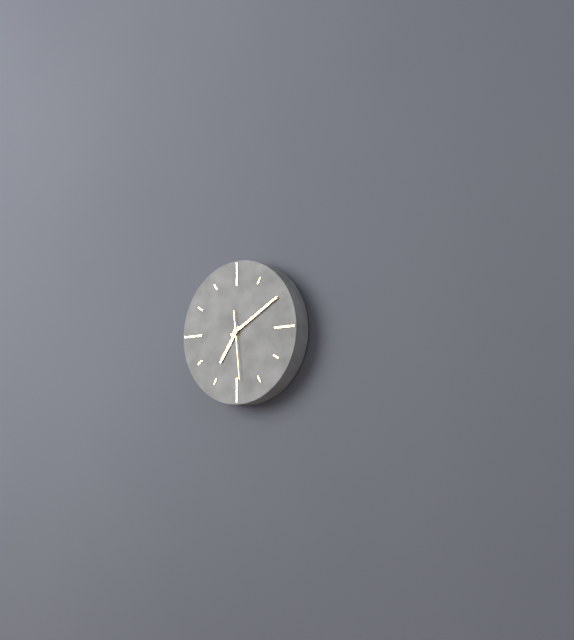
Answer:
7h10m29s
